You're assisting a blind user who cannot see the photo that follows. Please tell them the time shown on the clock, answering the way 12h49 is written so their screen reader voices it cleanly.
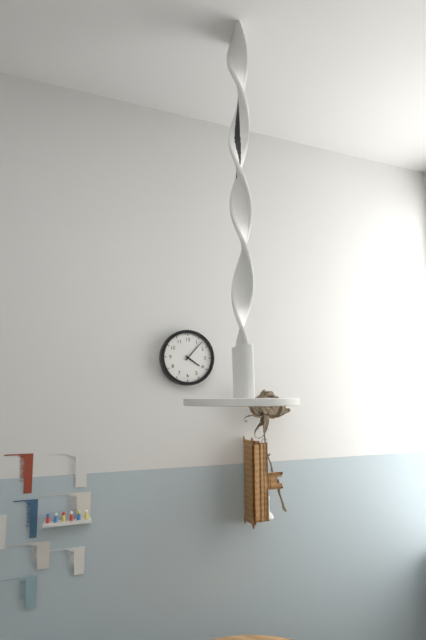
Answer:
4h07
